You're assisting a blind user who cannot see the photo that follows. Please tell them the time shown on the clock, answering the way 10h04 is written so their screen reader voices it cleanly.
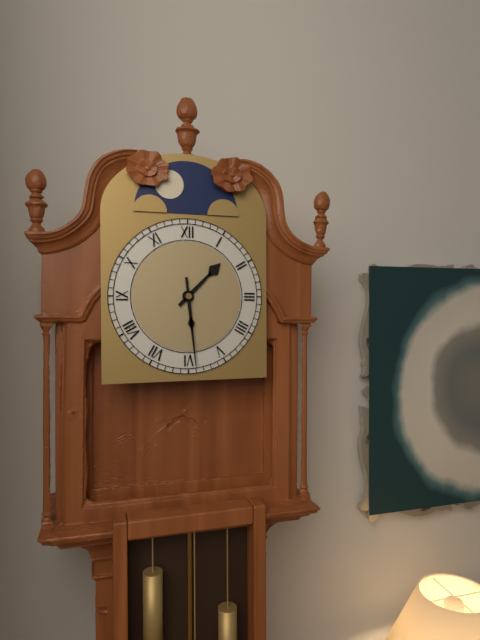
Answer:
1h29
